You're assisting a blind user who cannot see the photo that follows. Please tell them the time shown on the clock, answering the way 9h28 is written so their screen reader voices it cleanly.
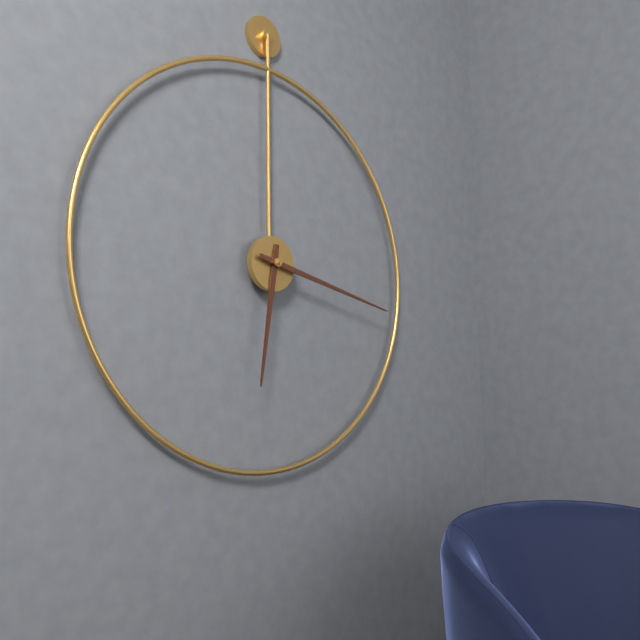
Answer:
6h17
